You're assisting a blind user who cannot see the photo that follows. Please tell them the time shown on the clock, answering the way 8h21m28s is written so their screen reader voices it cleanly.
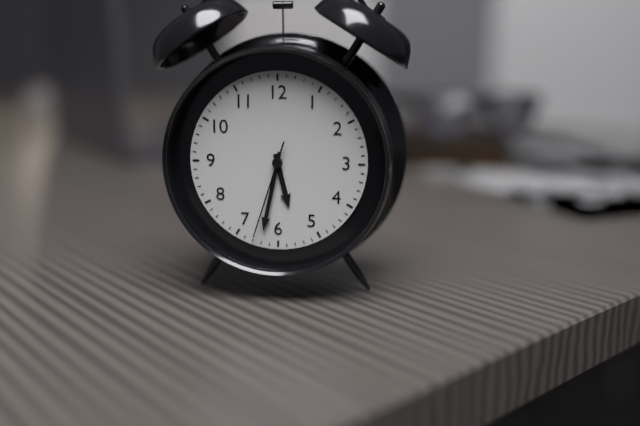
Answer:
5h32m33s
